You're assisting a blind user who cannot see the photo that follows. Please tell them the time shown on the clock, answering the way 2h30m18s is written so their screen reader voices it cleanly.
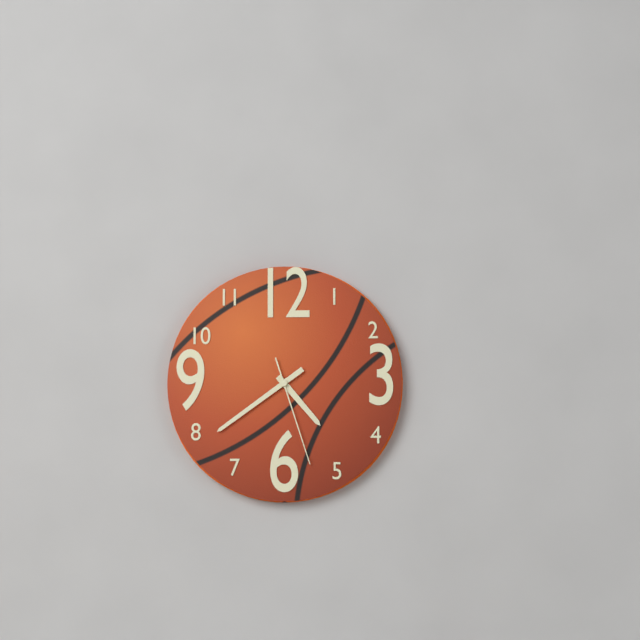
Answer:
4h39m27s
